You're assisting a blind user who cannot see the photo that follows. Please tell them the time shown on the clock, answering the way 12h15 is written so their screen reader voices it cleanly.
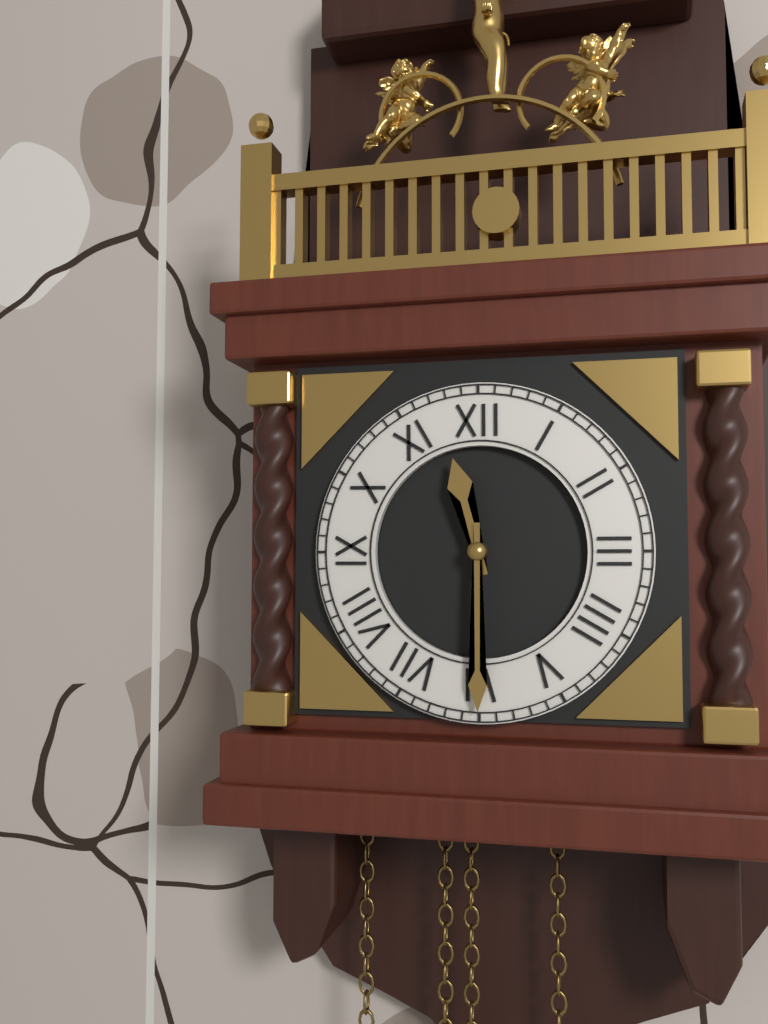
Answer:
11h30
